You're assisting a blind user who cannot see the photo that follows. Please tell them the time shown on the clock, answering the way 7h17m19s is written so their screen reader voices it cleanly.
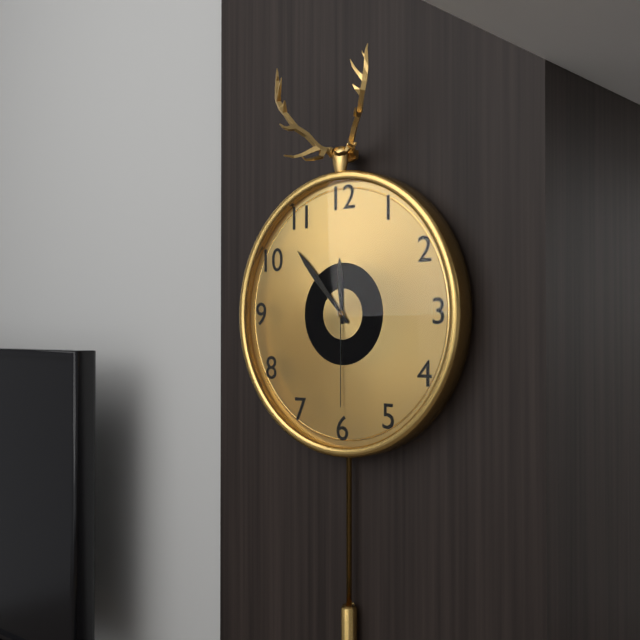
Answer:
11h53m30s
